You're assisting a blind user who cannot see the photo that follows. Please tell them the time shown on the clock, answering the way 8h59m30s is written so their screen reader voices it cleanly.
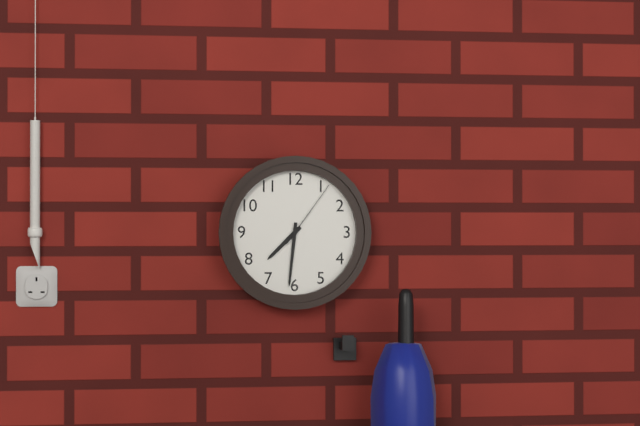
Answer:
7h31m06s
